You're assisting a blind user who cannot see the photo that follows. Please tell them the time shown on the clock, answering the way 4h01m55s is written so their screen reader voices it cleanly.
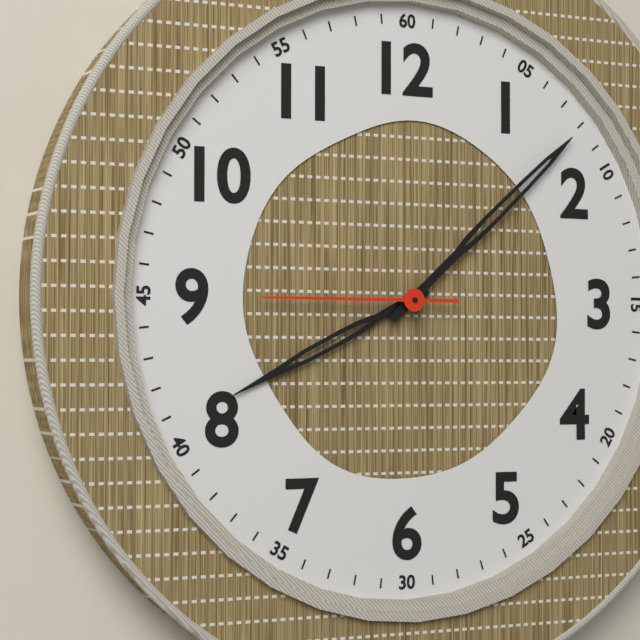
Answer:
8h08m45s
